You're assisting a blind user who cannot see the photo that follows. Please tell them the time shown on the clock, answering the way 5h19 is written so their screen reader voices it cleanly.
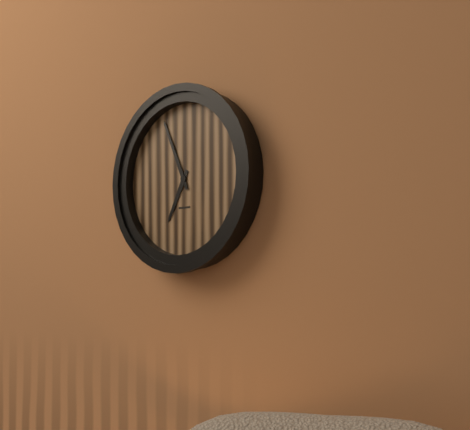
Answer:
6h56
